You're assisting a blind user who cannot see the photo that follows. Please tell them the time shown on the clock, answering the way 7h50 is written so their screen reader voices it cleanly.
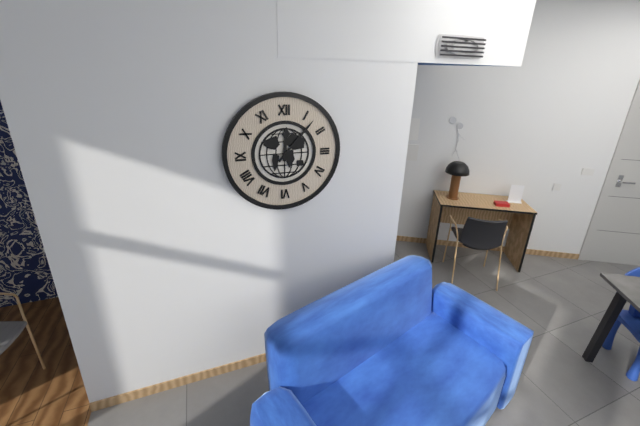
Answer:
12h07
